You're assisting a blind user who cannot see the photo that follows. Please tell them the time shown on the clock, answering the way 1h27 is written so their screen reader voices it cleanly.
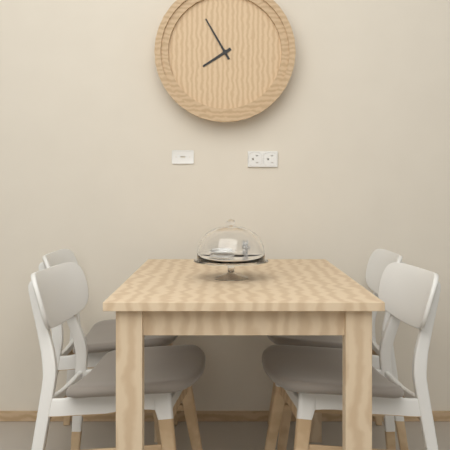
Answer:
7h55
